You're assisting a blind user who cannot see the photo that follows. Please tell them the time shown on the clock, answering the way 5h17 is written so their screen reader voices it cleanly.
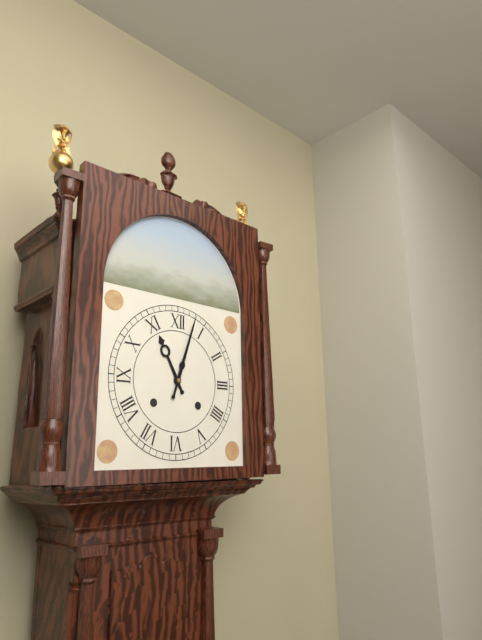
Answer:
11h03
